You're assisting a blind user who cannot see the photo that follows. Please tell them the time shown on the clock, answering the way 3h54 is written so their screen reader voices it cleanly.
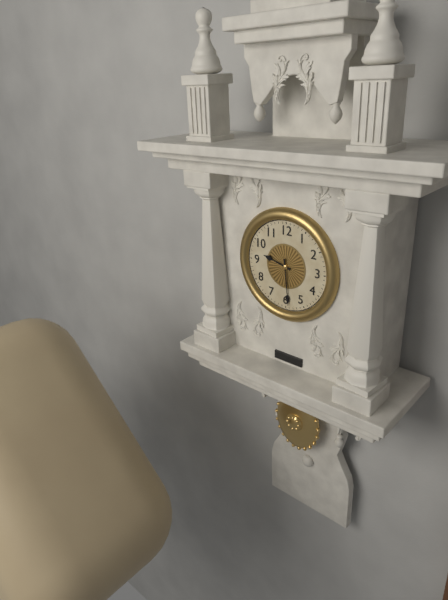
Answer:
9h29
